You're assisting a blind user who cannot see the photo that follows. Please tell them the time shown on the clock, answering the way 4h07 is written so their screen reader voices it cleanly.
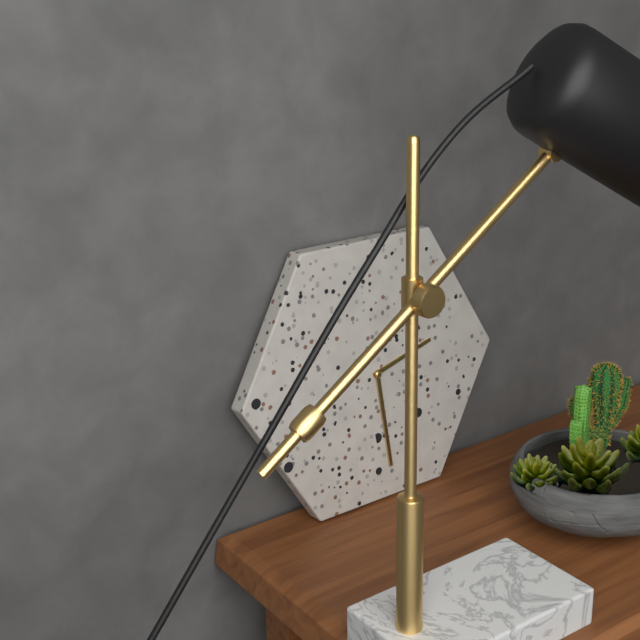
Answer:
2h29
